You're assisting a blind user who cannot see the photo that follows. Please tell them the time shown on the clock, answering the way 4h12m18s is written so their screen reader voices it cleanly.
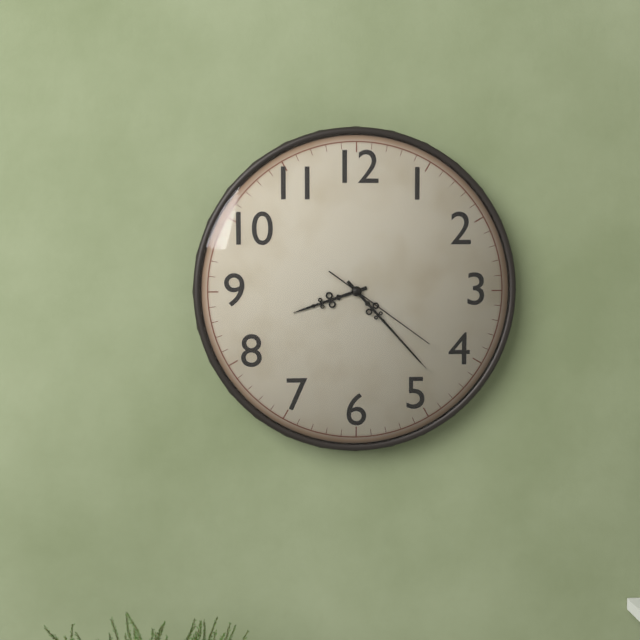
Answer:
8h23m21s
